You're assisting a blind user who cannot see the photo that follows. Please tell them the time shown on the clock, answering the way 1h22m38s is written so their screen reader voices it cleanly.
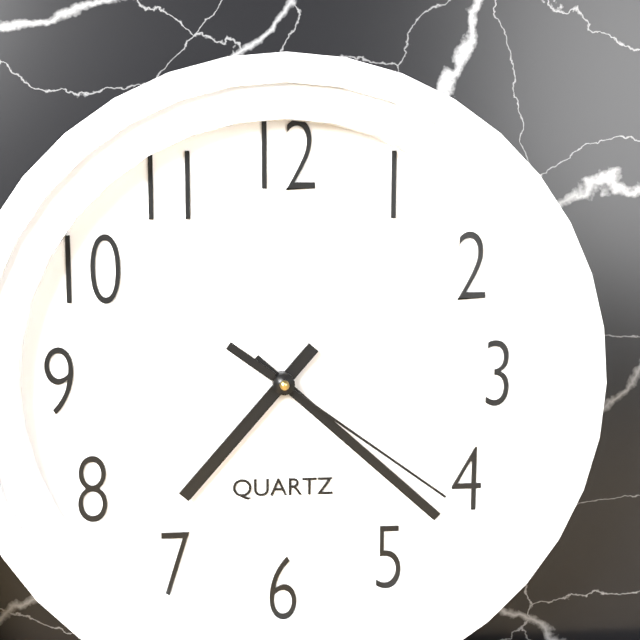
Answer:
7h22m21s
